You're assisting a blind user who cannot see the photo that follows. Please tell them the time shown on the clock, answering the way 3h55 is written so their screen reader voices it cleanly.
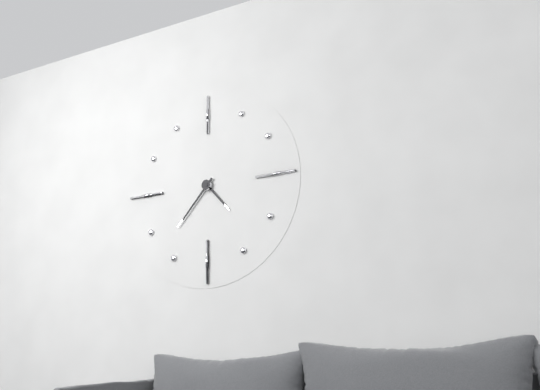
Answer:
4h37
